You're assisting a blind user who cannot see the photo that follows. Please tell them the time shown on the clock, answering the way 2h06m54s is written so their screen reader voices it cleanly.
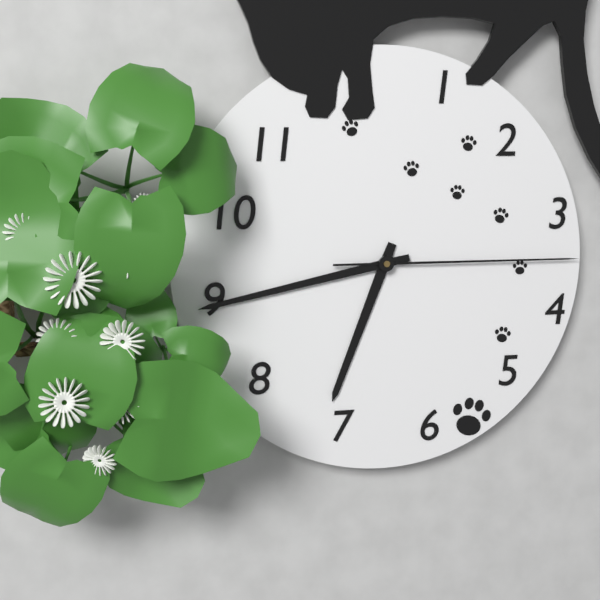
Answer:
6h43m15s
